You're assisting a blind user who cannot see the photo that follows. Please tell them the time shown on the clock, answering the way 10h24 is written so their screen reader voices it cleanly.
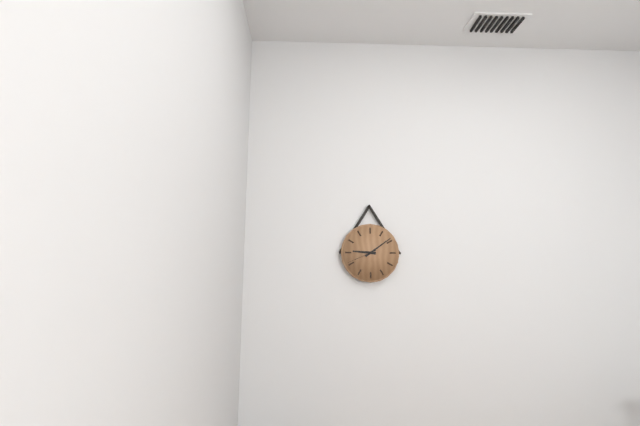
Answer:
9h09
